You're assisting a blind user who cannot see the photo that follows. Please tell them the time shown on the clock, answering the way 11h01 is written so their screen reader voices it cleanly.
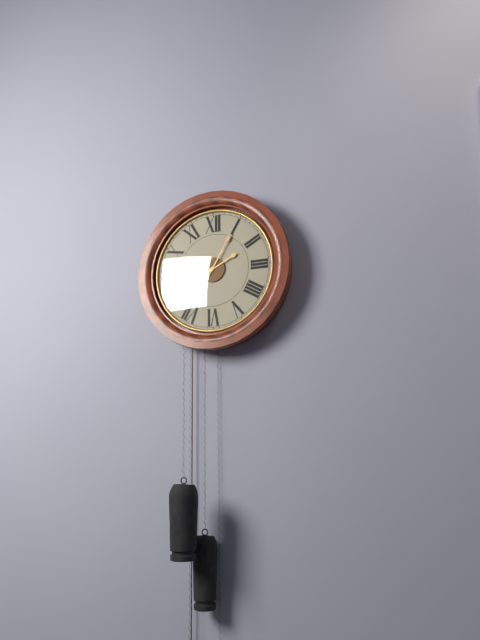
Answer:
2h05
